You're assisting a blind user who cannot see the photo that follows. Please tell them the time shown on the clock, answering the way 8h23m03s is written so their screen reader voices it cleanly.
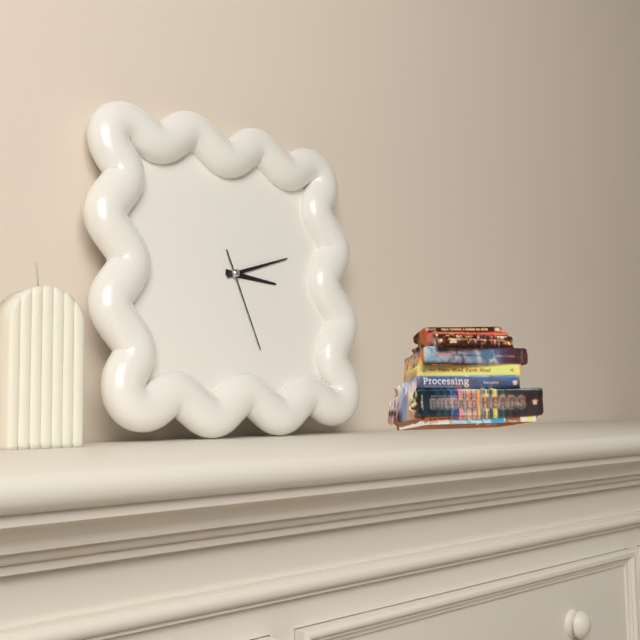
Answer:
3h12m27s
